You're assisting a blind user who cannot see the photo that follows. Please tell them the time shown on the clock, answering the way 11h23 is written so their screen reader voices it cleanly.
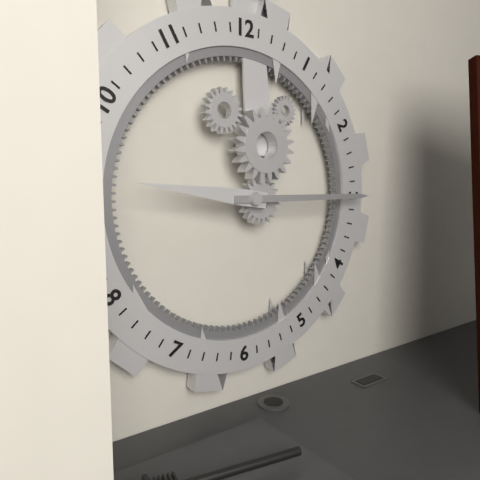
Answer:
9h15
